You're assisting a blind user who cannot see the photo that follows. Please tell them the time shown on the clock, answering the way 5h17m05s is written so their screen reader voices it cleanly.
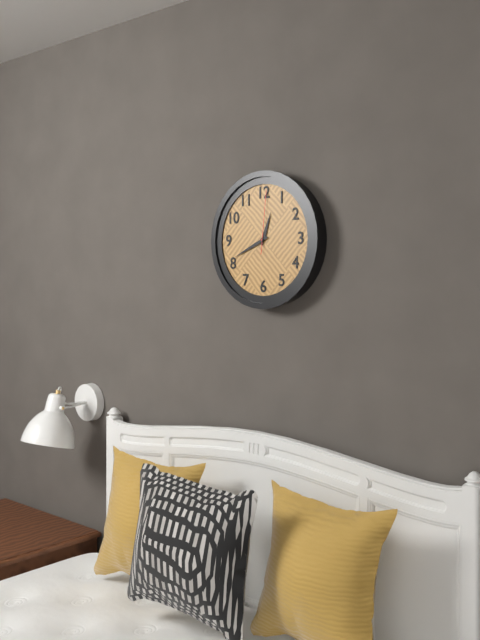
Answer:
12h41m01s
